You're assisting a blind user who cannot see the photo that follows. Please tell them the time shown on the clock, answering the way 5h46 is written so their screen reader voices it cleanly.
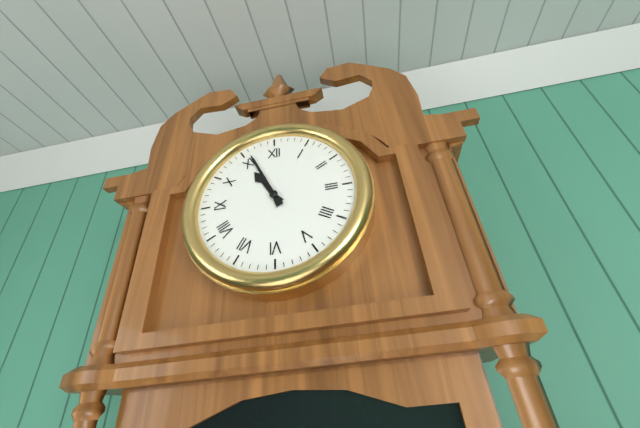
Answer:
10h56
